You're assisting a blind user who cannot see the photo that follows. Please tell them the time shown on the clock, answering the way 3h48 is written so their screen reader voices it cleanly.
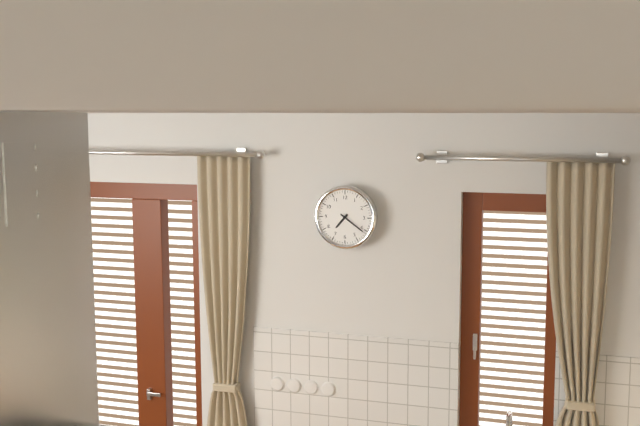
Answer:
7h21
